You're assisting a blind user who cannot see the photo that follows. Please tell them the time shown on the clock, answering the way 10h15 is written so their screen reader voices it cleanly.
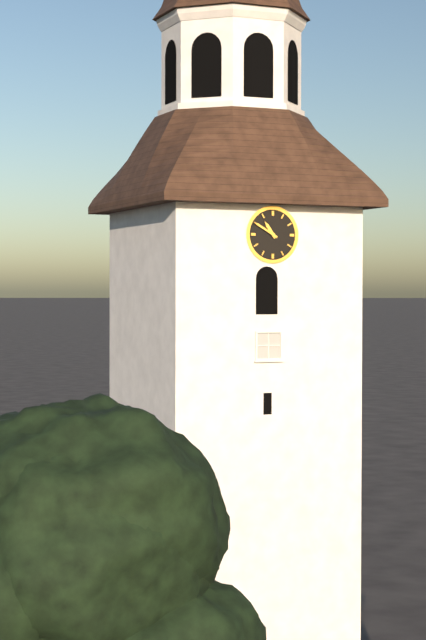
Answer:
10h50
